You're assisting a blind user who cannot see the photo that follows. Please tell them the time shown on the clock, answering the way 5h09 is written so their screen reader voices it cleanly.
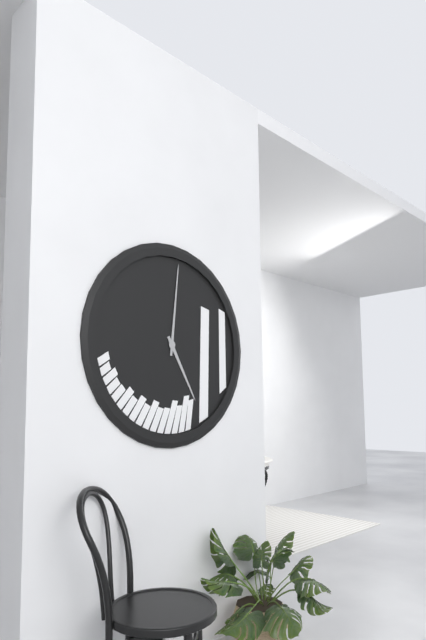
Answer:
5h01
